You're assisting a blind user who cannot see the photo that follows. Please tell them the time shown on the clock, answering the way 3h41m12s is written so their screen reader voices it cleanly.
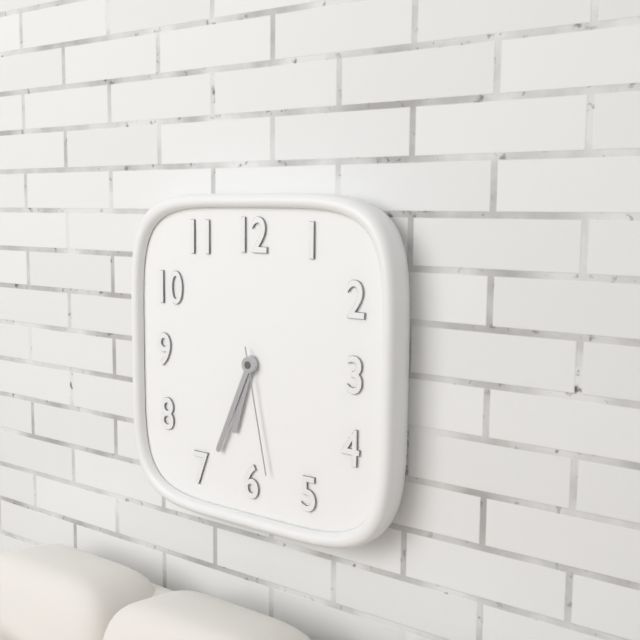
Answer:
6h34m28s
